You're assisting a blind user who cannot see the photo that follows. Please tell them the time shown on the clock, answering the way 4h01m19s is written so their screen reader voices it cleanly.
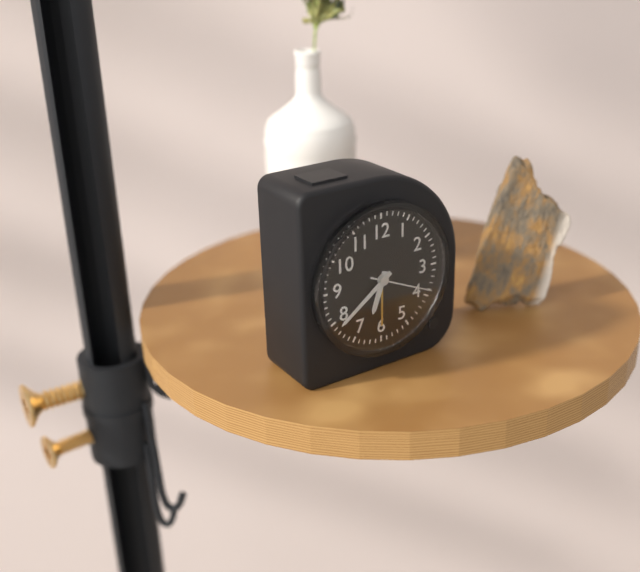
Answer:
6h39m19s
